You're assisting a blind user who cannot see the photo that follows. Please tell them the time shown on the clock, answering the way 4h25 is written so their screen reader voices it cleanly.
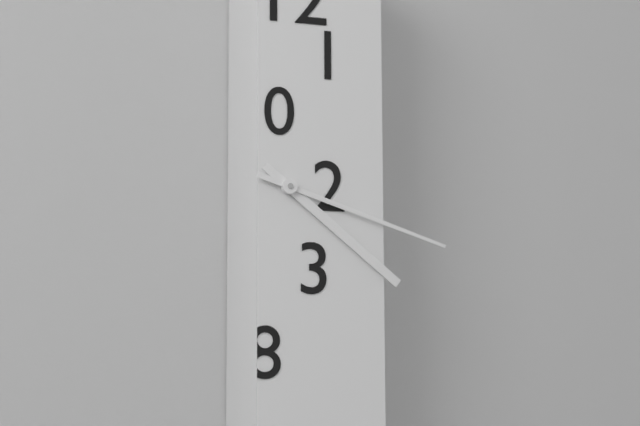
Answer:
4h18
